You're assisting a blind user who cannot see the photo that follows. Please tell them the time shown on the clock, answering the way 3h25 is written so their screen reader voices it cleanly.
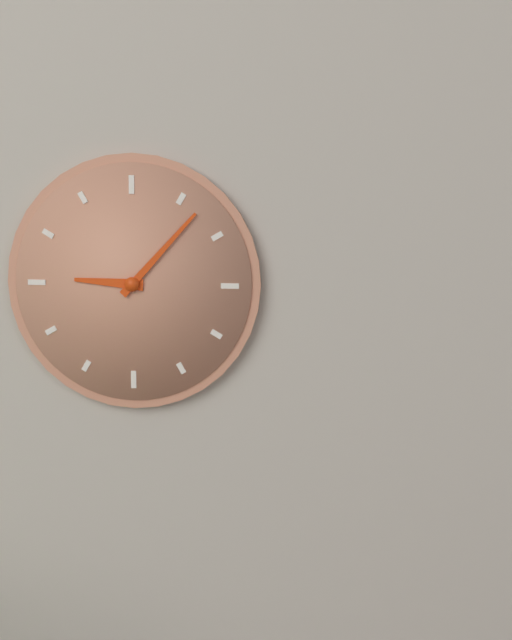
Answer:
9h07
